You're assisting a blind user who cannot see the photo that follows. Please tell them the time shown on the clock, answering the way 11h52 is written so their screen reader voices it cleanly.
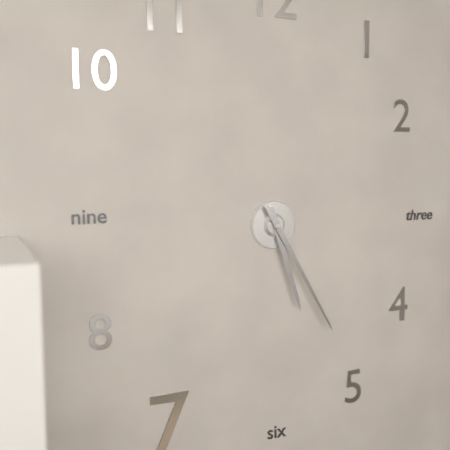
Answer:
5h25
